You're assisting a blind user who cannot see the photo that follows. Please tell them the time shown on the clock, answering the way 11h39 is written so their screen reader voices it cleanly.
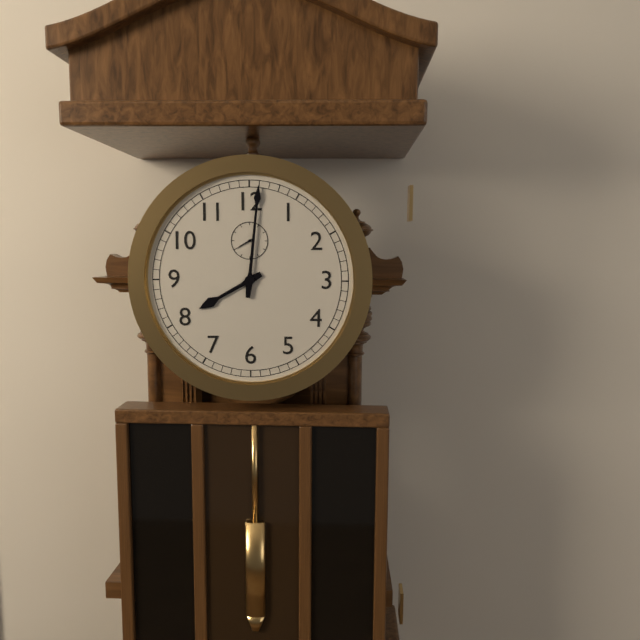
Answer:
8h01
